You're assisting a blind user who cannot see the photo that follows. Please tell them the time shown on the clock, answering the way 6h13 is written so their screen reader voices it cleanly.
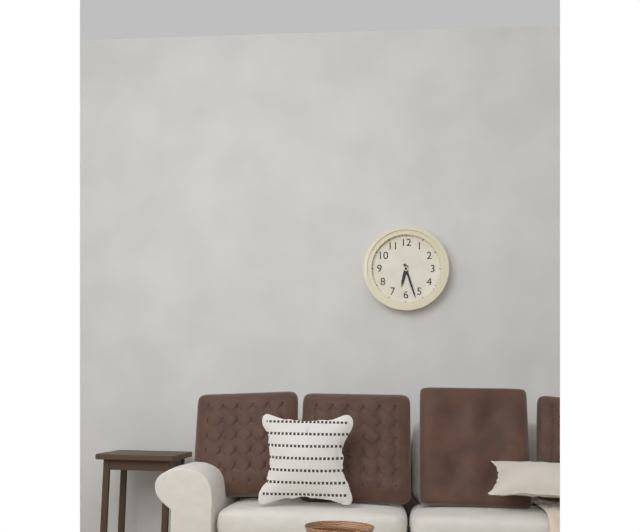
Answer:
6h27
